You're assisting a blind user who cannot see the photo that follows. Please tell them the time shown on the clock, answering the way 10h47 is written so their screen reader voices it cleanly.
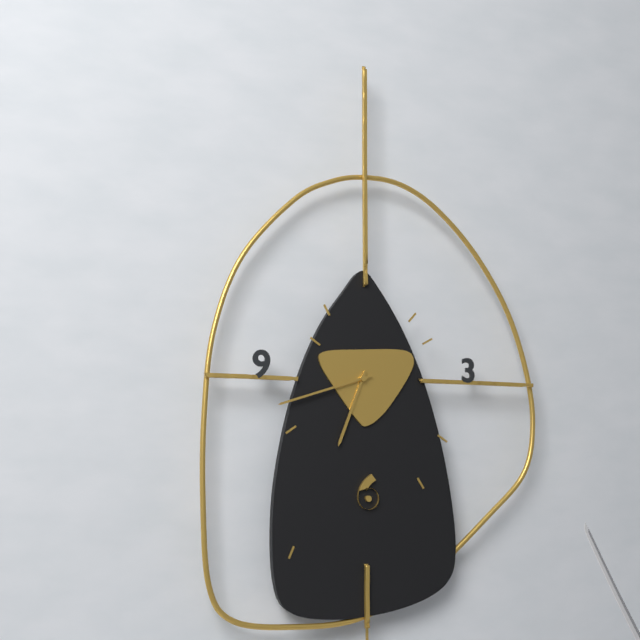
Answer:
6h42
